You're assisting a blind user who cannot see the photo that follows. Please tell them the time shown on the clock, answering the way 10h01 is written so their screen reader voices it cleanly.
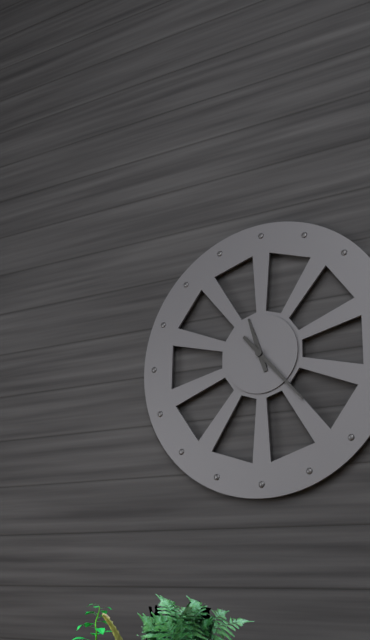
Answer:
11h23
